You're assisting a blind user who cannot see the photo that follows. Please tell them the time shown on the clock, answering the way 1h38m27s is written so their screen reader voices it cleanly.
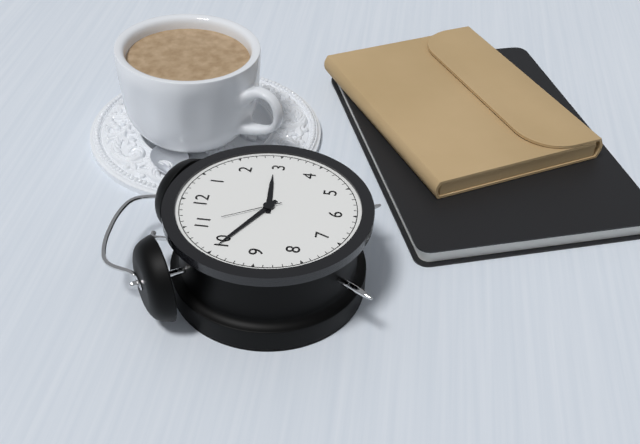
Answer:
2h50m55s
